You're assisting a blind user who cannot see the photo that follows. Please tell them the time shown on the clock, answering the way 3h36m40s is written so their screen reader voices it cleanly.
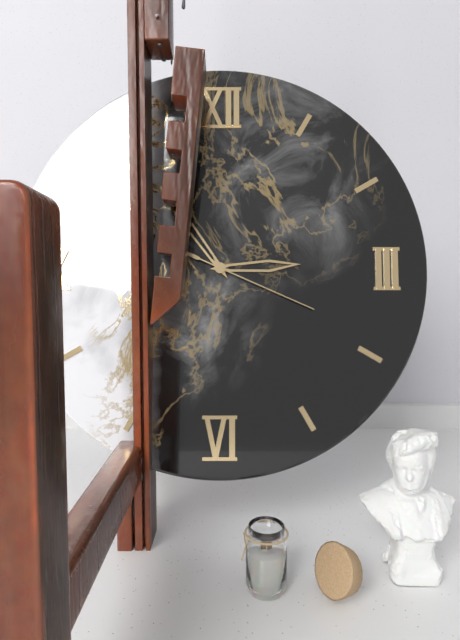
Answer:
2h54m19s
